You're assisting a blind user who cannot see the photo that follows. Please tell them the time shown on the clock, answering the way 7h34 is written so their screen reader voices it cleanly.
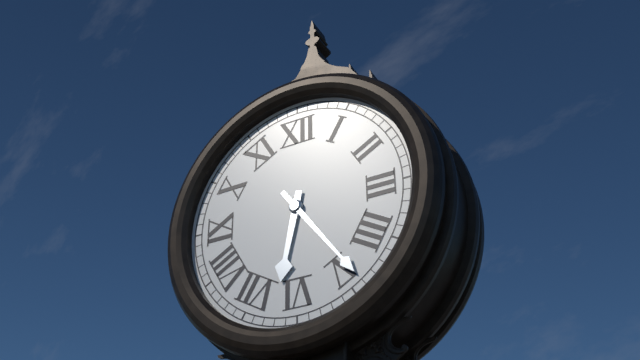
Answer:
6h24
